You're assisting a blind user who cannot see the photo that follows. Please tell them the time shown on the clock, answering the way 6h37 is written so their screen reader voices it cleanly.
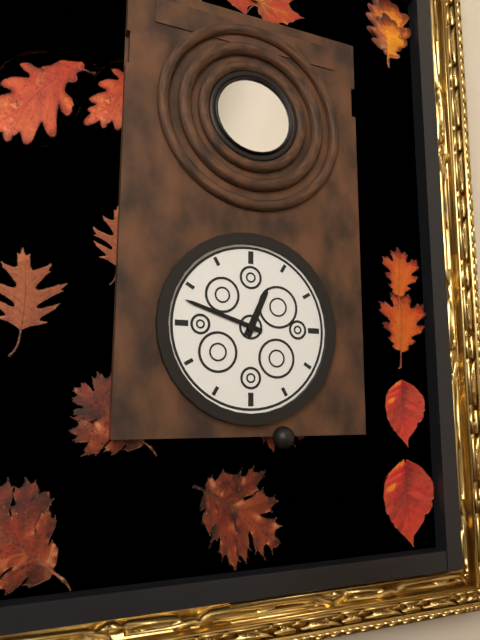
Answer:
12h48
